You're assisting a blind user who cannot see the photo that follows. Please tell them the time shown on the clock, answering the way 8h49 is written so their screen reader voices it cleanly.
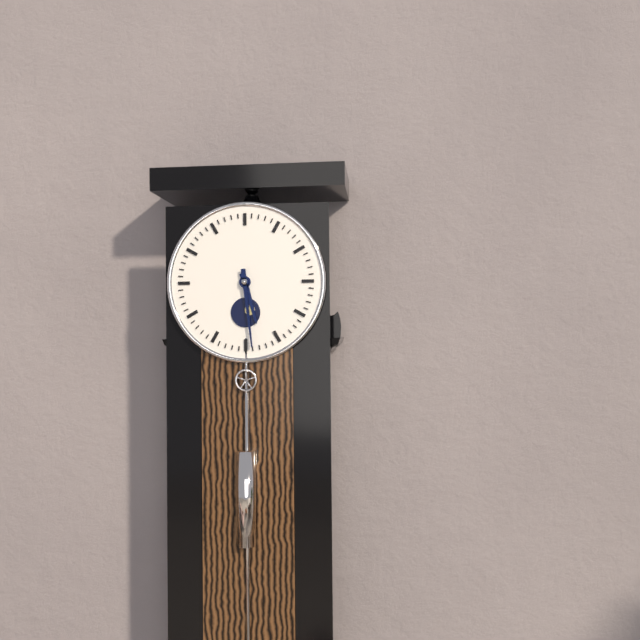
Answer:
5h29
